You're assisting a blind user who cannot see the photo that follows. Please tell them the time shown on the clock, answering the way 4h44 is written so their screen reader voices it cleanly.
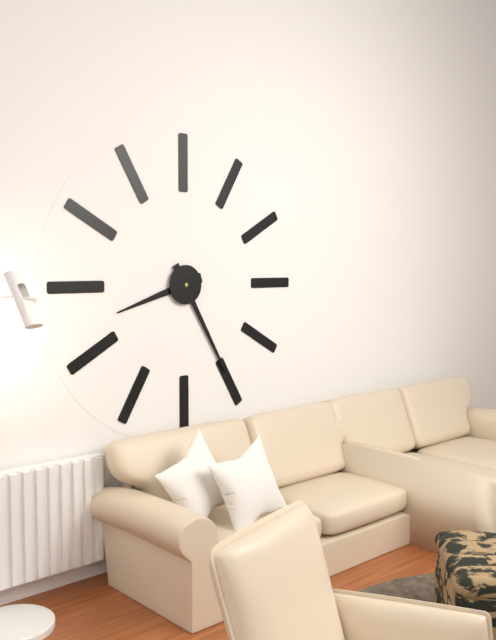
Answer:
8h25
